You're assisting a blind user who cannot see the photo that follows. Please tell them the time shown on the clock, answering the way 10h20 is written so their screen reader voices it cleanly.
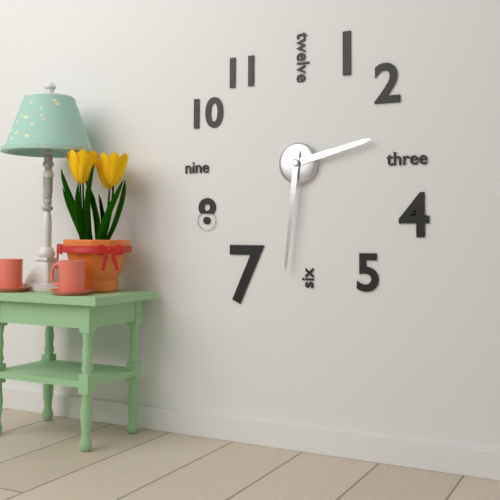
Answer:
2h31
